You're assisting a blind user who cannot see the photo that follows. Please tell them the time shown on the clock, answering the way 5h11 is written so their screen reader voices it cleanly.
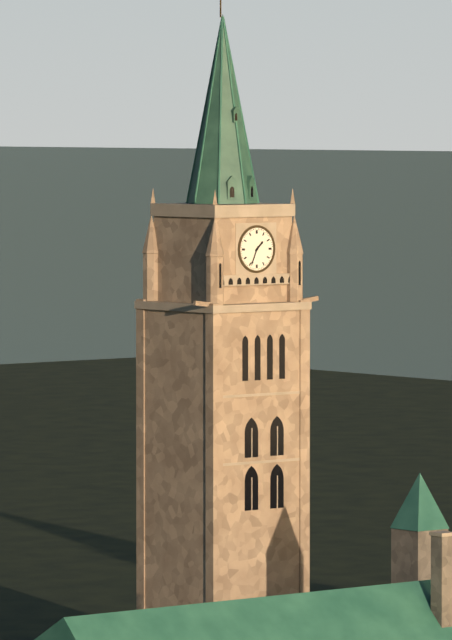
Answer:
1h34
